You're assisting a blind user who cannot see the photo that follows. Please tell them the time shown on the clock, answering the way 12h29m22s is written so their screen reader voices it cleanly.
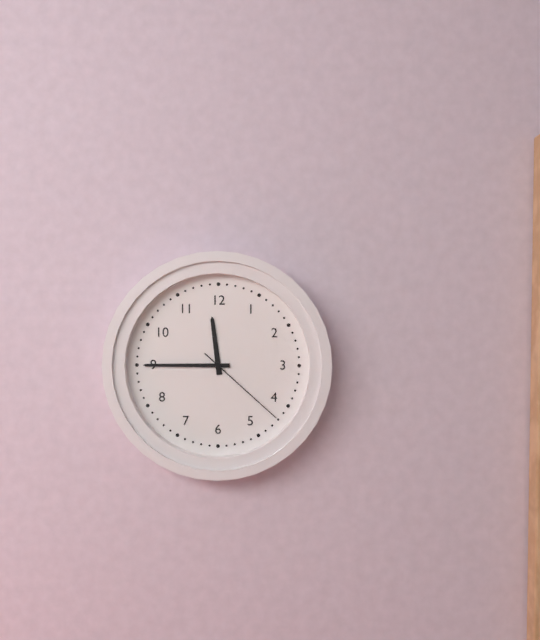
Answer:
11h45m22s
